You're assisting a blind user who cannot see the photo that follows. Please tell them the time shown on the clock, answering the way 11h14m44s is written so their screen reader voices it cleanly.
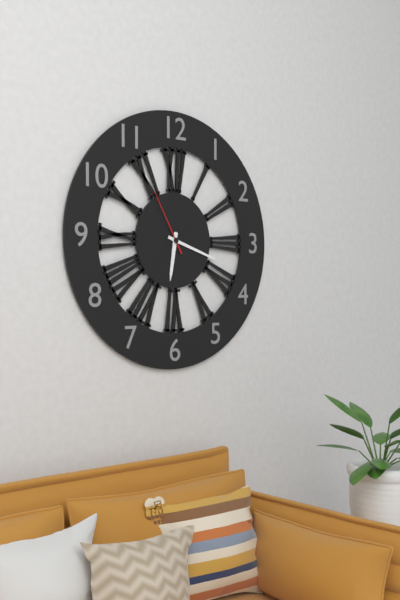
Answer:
6h18m55s
